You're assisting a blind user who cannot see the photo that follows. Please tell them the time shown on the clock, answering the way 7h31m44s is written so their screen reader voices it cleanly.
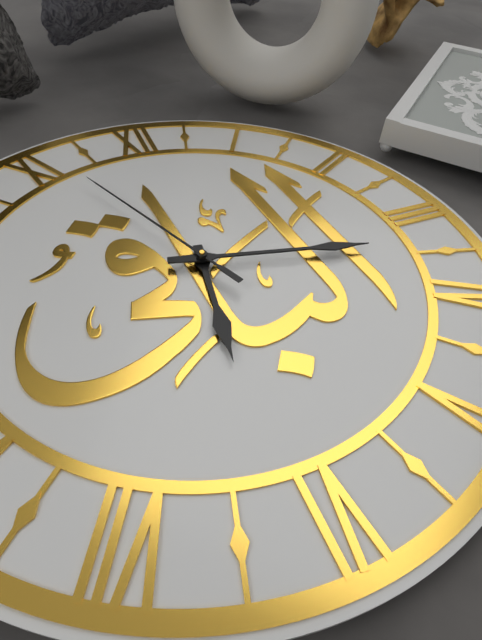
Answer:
6h17m56s
